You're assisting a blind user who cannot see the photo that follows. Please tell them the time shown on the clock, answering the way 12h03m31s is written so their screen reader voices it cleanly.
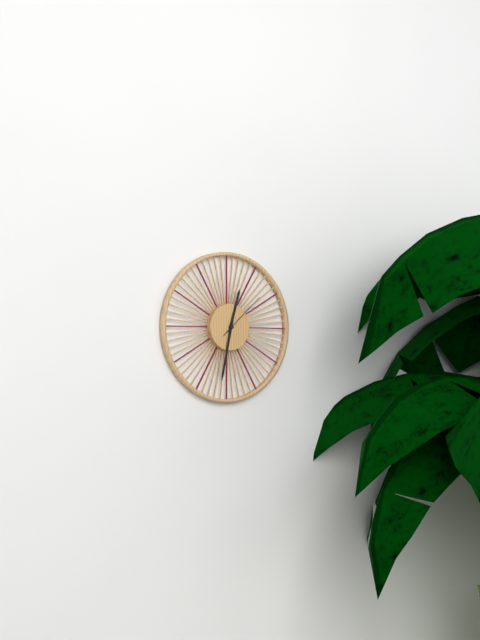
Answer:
12h32m08s
